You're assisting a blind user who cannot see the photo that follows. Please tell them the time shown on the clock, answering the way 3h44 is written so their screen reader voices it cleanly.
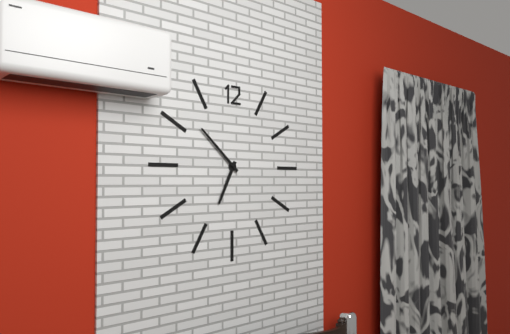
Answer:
6h52
